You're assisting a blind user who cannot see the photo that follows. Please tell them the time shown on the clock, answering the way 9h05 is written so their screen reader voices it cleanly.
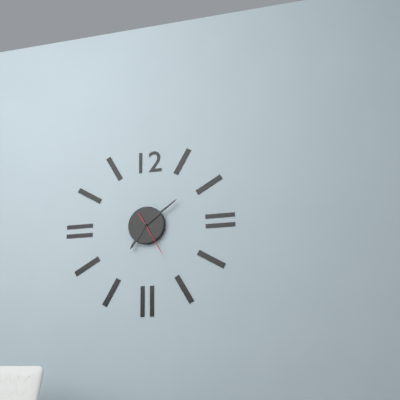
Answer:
7h09
